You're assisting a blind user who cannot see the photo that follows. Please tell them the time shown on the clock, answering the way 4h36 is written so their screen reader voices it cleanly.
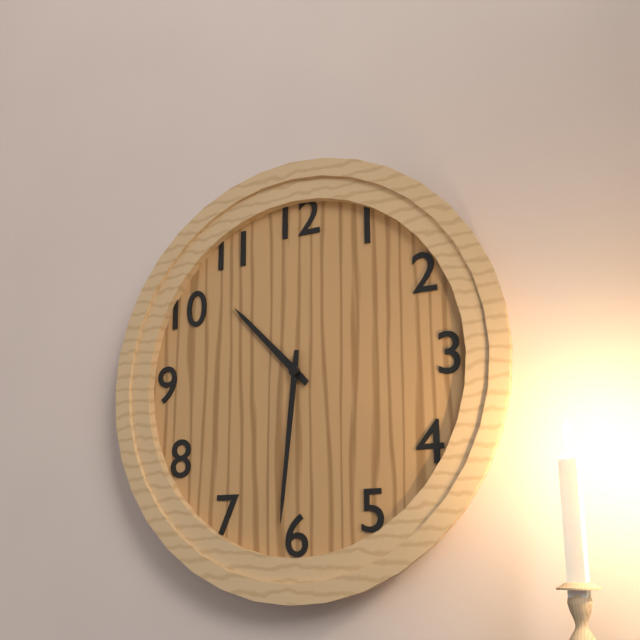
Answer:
10h31
